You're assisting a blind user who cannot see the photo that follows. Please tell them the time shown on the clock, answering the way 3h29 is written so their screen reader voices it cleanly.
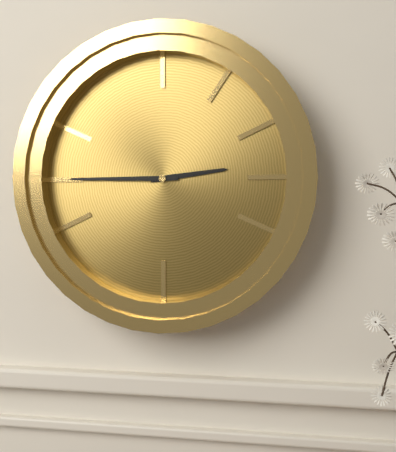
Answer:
2h45
